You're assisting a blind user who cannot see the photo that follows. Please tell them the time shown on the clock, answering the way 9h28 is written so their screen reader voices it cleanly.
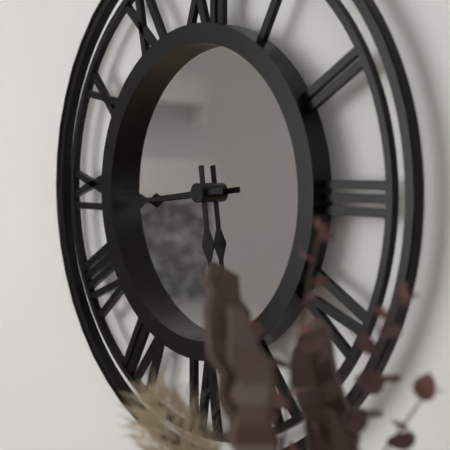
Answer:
5h44
